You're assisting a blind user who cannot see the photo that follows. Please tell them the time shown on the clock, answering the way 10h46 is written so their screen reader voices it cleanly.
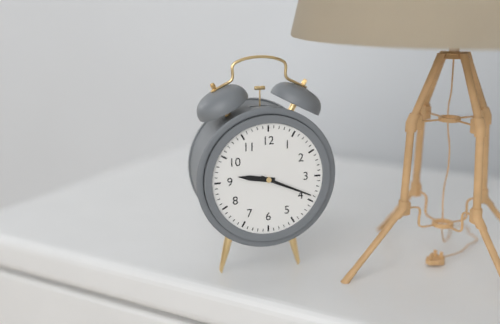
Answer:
9h19
